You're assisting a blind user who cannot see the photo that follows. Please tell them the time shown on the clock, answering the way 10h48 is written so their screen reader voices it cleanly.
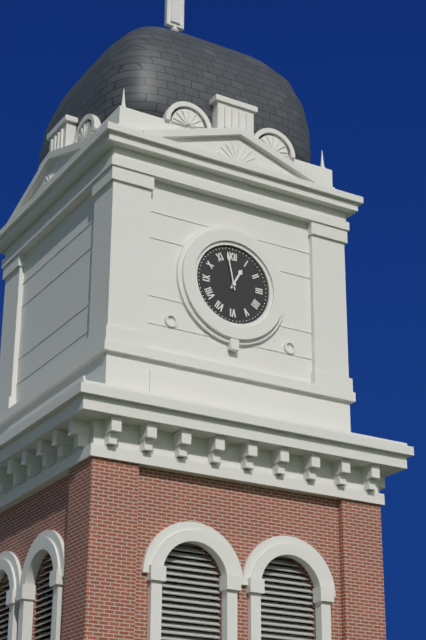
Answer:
12h58
